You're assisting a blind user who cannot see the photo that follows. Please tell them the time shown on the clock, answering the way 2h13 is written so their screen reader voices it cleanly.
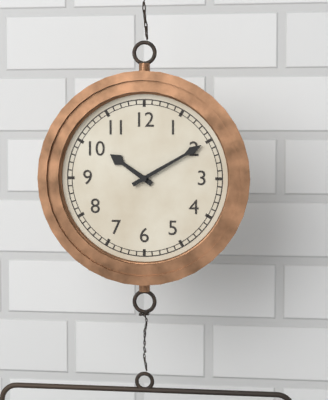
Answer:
10h10
